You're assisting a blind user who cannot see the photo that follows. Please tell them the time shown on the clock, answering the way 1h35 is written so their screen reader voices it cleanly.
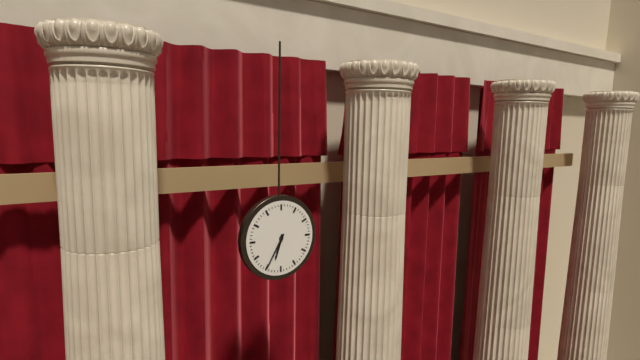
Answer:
6h35
